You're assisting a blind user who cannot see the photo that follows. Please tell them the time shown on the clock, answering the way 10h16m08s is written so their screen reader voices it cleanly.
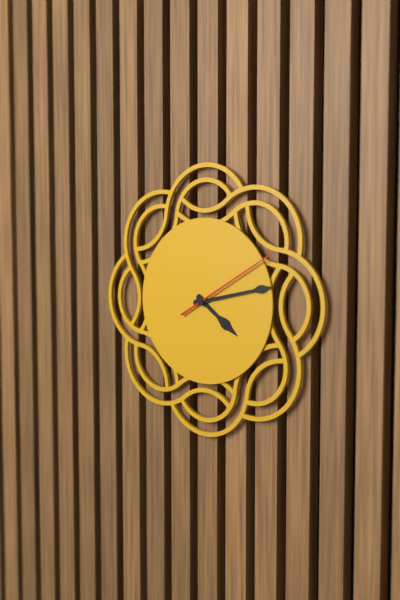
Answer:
4h13m10s
